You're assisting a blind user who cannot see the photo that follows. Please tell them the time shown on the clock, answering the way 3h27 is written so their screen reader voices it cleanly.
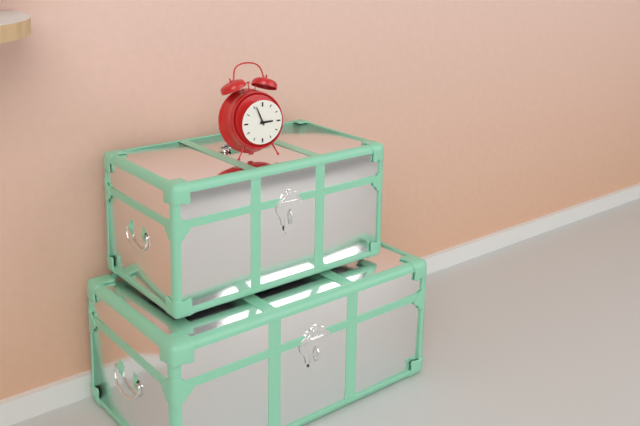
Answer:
2h56
